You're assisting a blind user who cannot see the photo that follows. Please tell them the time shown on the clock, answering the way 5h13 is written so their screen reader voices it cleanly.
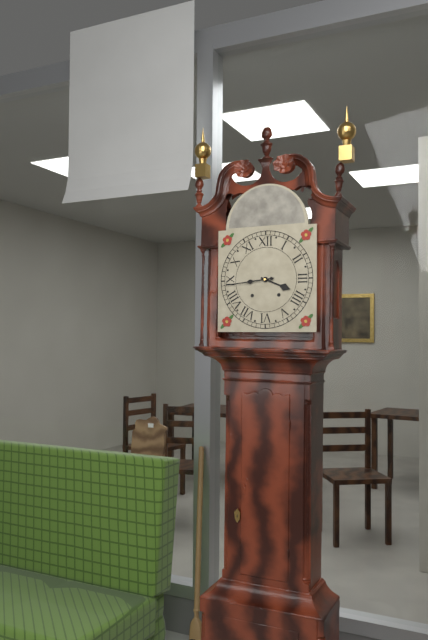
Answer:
3h44
